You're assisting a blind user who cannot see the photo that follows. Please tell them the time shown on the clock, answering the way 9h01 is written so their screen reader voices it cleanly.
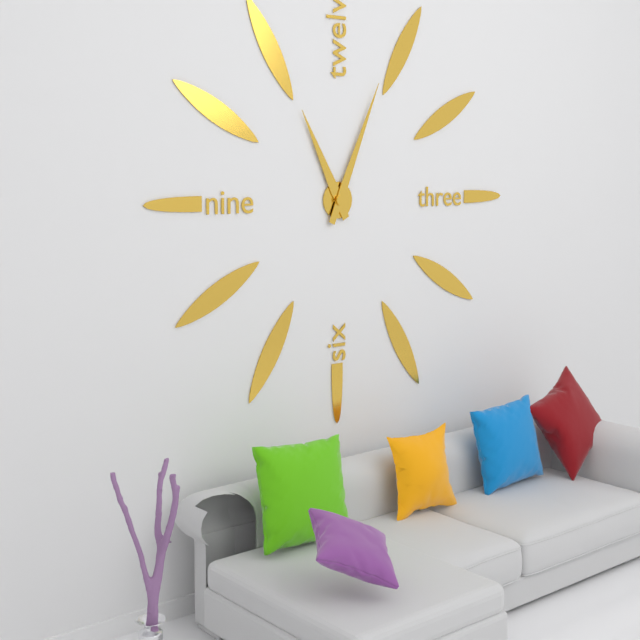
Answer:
11h04
